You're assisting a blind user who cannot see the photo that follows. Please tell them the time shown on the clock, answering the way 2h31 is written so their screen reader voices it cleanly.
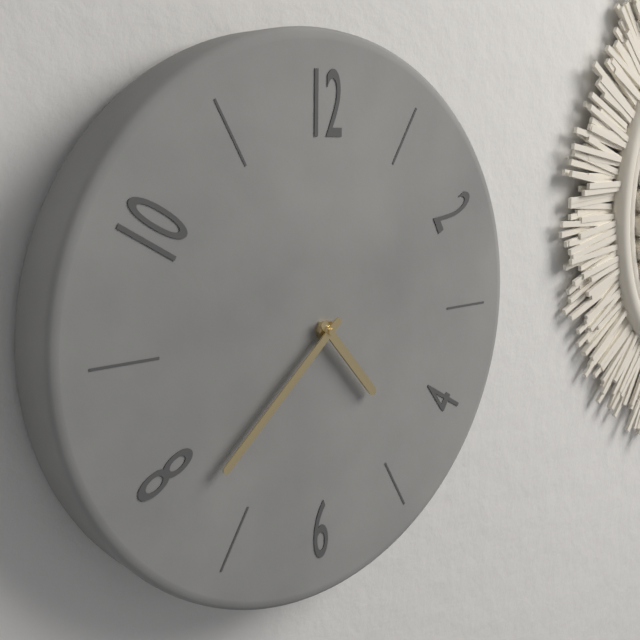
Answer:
4h38
